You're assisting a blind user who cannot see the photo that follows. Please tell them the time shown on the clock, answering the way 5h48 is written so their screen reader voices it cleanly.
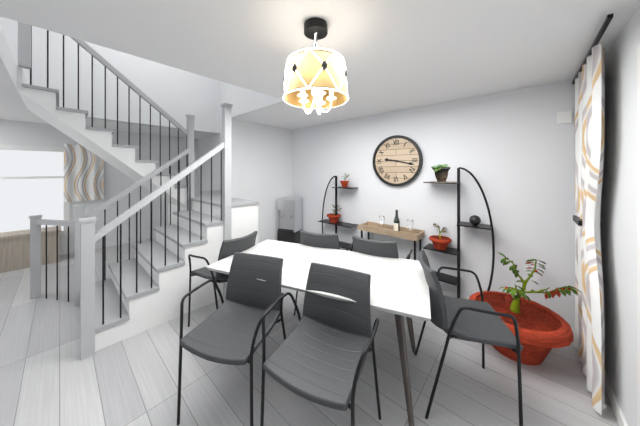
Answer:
9h17
